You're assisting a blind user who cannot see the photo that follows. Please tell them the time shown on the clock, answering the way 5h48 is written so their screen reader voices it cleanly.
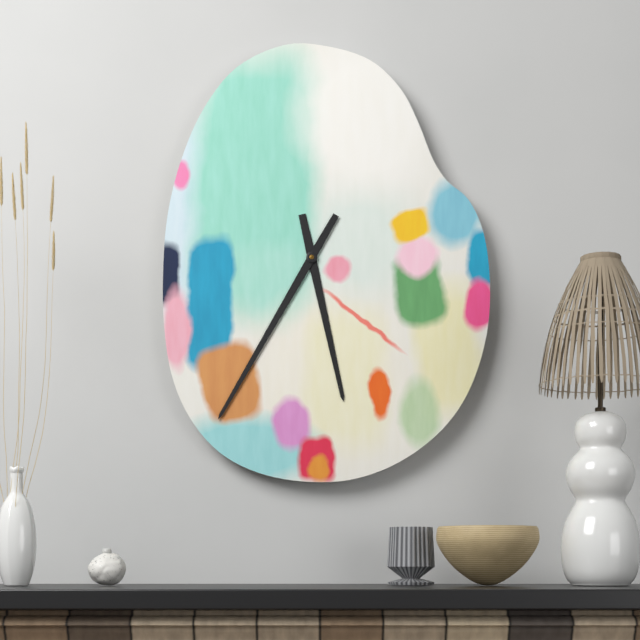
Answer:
5h35
